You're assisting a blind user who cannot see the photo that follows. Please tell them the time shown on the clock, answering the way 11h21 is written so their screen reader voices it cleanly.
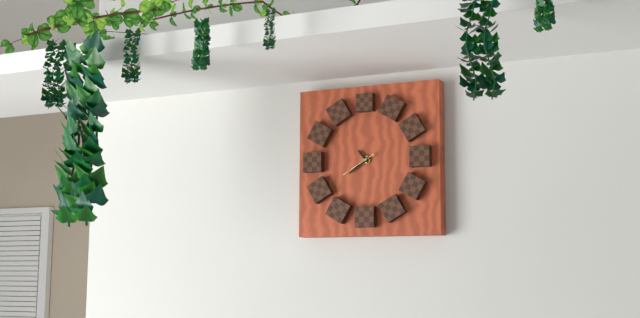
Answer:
10h39
